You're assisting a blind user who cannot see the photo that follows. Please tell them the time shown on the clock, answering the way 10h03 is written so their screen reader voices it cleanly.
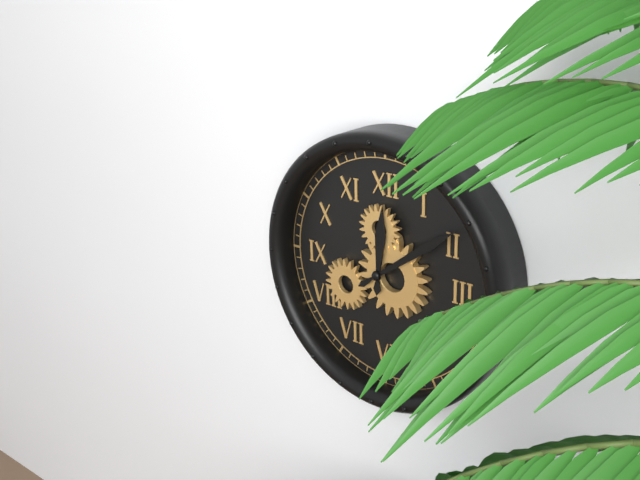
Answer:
12h09
